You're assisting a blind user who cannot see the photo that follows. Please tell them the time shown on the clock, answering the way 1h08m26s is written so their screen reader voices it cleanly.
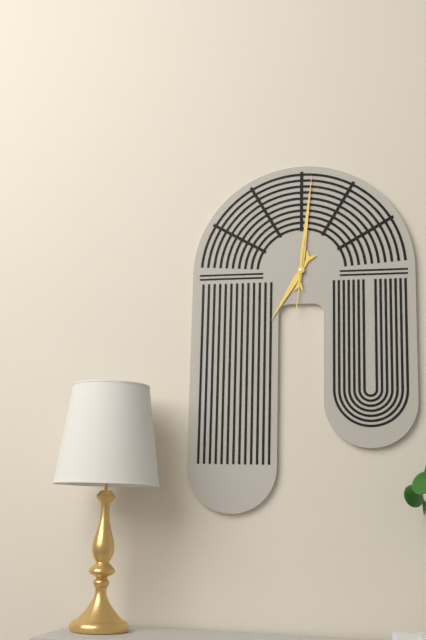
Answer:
7h01m31s
